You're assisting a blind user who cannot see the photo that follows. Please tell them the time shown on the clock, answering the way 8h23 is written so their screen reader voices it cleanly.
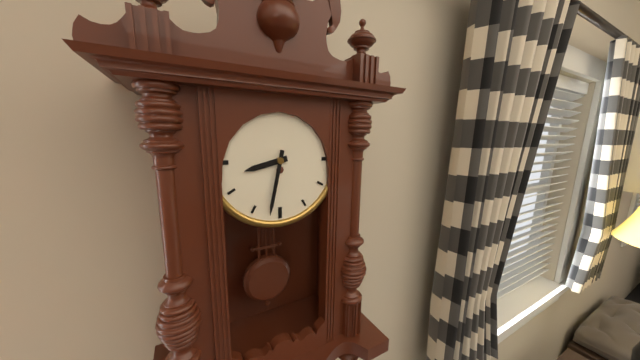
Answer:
8h32
